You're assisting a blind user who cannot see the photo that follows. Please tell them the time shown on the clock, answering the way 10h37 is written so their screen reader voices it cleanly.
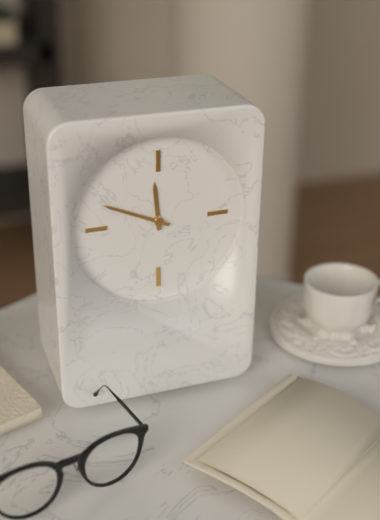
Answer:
11h49
